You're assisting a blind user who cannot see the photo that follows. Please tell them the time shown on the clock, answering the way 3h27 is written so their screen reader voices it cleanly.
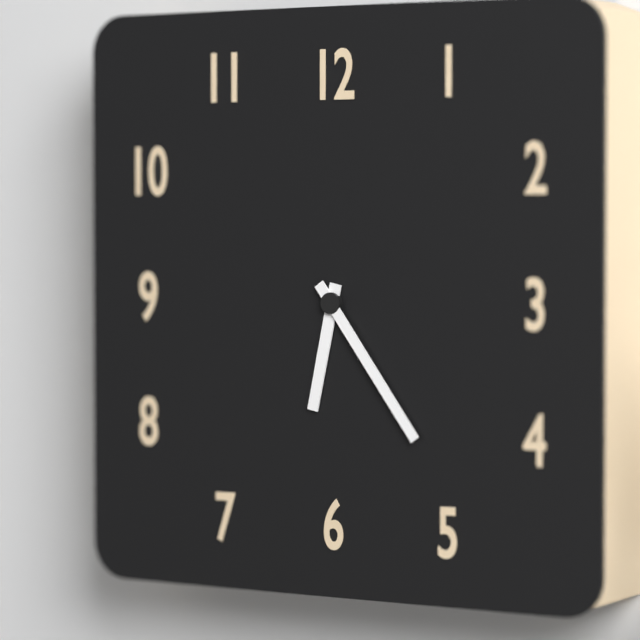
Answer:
6h24
